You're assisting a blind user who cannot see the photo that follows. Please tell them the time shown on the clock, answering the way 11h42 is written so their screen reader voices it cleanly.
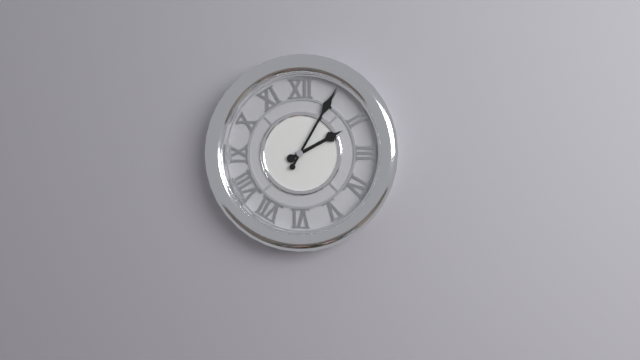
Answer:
2h05
